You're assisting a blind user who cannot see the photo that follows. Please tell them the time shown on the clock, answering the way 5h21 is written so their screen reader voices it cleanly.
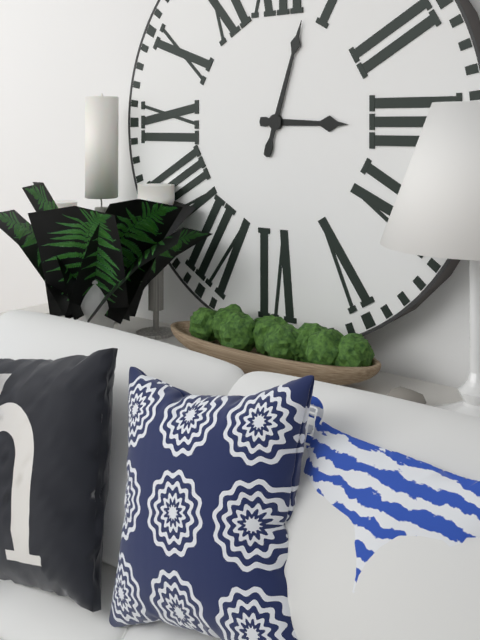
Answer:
3h03
